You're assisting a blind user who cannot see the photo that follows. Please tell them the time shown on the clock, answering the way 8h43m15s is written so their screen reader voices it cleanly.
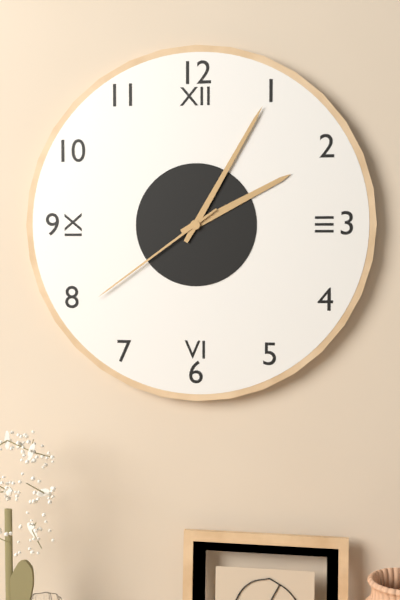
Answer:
2h05m39s
